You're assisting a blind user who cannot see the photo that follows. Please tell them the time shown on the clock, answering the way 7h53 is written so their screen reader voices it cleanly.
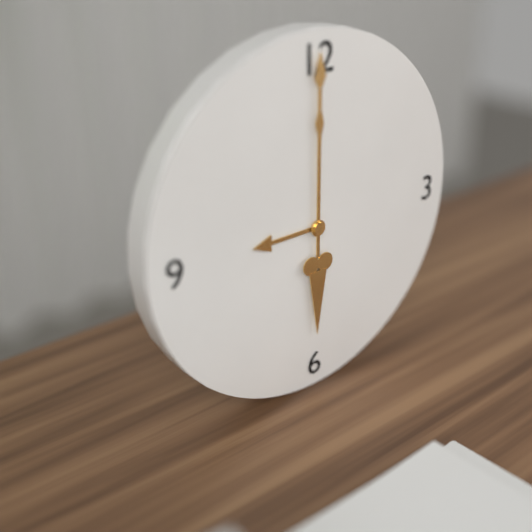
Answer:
9h00
